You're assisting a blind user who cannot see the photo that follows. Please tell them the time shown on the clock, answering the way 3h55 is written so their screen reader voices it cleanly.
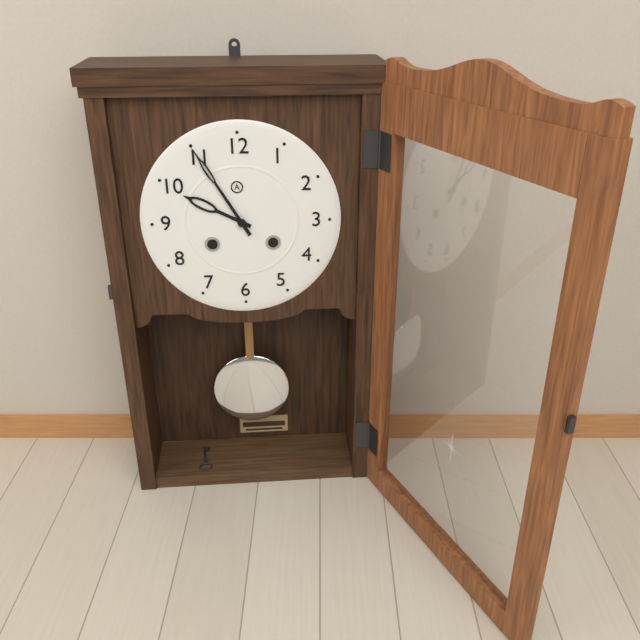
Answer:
9h55
